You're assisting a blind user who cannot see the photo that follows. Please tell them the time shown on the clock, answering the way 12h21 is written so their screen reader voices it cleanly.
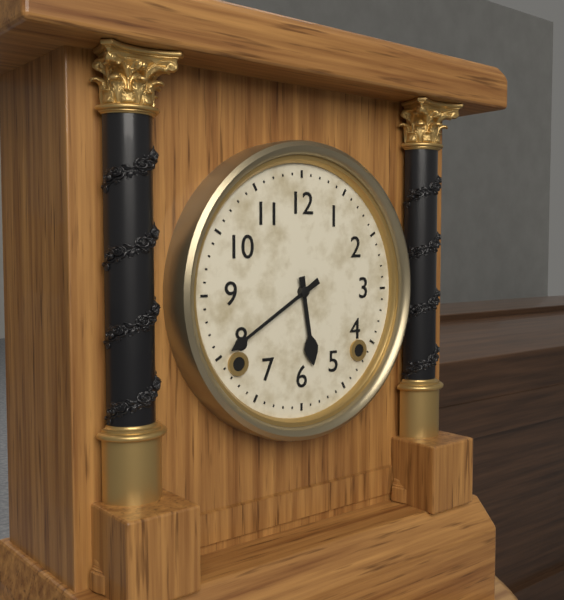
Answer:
5h40
